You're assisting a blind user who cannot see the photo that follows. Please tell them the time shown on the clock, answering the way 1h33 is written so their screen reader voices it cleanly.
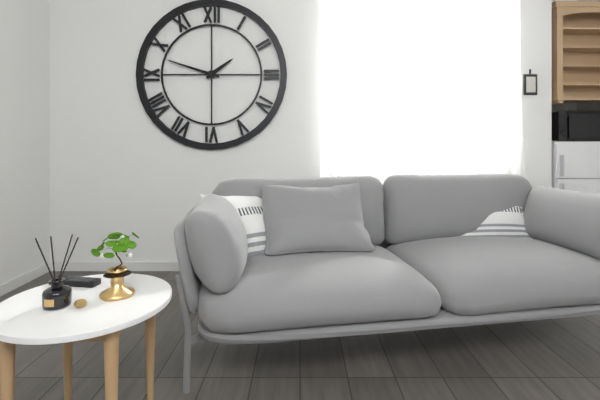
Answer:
1h48
